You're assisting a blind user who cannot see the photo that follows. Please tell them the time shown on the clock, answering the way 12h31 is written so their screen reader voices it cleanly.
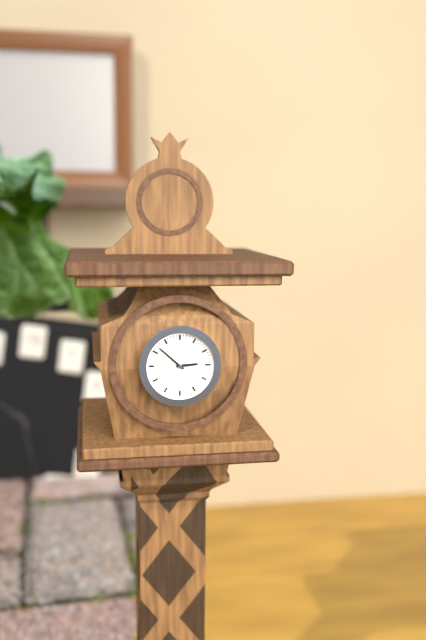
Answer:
2h52
